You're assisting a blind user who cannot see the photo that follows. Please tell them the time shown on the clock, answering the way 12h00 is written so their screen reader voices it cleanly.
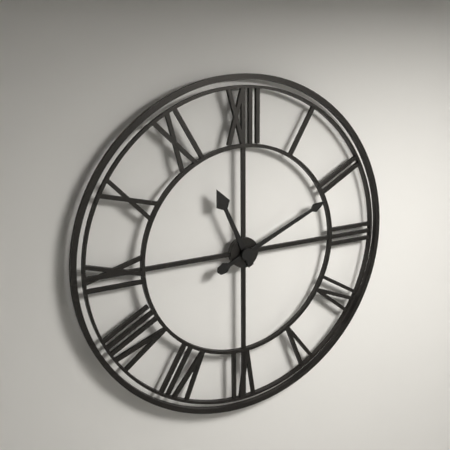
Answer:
11h11
